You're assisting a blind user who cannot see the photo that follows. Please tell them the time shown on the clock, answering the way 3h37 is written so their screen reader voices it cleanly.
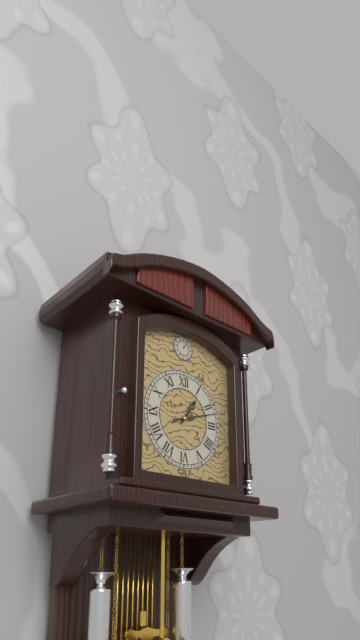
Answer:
1h12
